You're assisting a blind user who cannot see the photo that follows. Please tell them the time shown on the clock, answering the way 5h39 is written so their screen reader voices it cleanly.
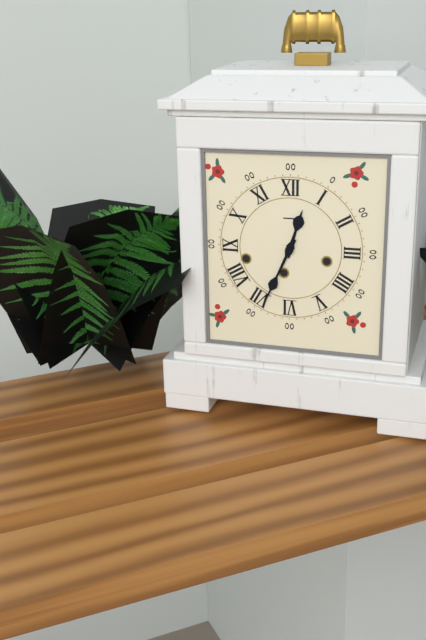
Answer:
12h34
